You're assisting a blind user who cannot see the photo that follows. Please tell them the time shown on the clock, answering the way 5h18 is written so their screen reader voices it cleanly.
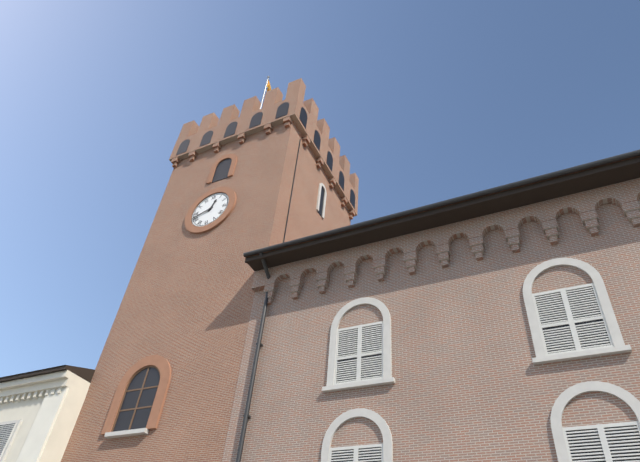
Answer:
12h42
